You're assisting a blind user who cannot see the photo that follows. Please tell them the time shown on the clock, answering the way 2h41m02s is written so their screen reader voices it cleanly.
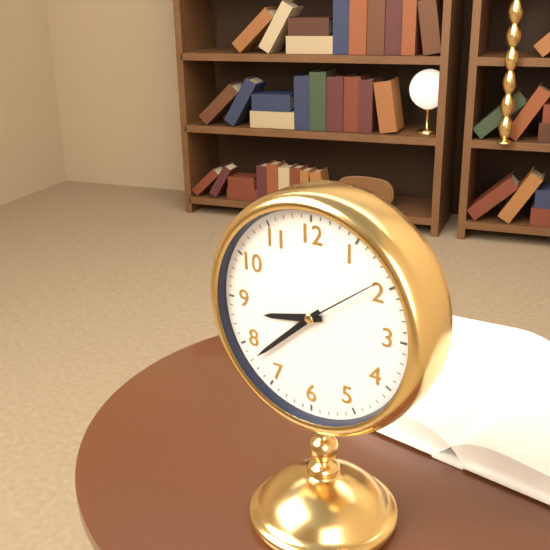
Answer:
8h38m09s
